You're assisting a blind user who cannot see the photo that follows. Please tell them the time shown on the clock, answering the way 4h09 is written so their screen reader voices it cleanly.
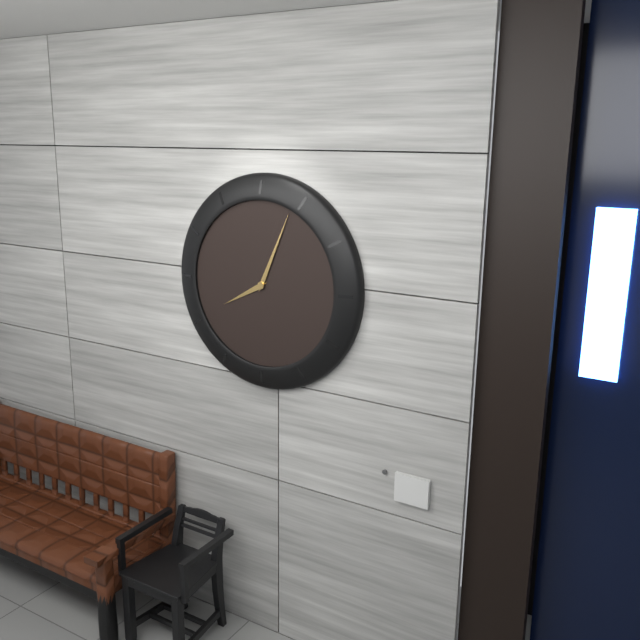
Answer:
8h04
